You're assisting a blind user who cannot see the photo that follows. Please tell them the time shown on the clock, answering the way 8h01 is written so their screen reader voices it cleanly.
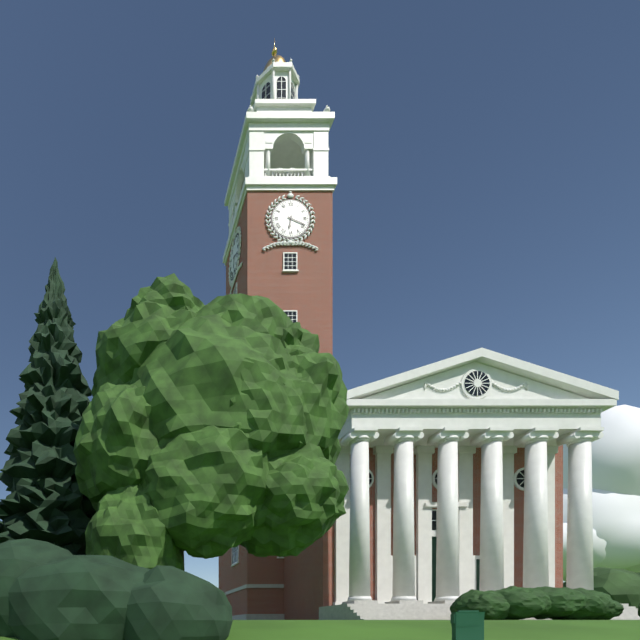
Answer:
6h19
